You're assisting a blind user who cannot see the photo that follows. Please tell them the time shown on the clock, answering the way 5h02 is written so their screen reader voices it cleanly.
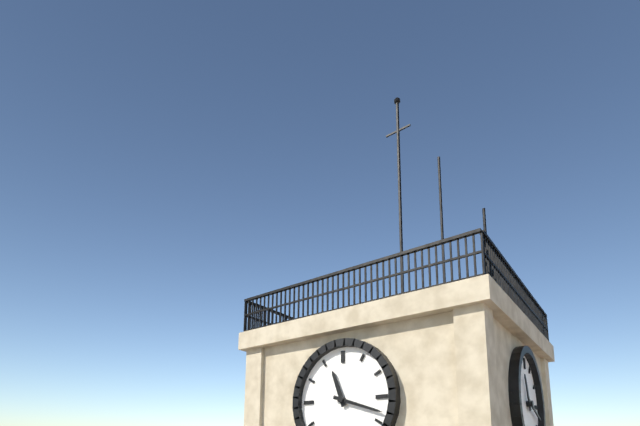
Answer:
11h18
